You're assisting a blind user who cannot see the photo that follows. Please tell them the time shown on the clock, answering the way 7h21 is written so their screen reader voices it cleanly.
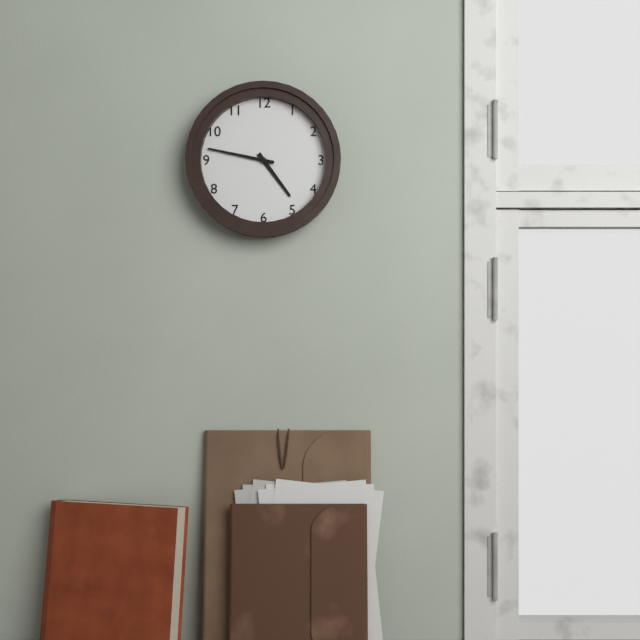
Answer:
4h47
